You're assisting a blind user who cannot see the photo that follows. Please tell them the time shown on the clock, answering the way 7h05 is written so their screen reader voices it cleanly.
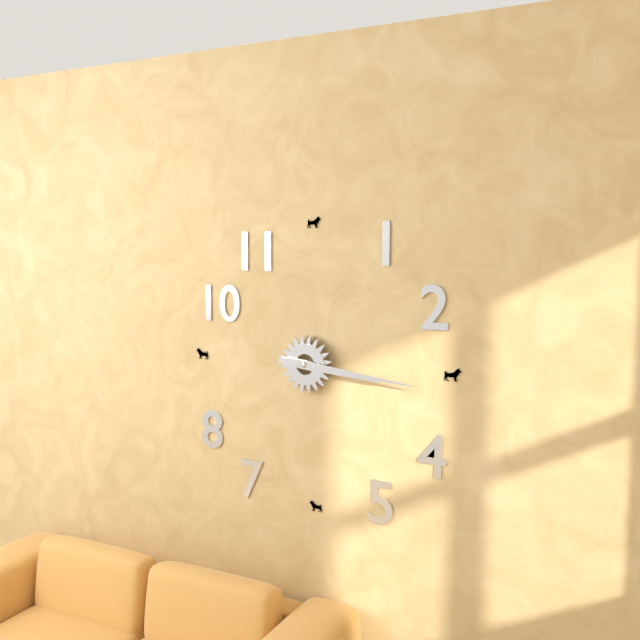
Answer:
3h16
